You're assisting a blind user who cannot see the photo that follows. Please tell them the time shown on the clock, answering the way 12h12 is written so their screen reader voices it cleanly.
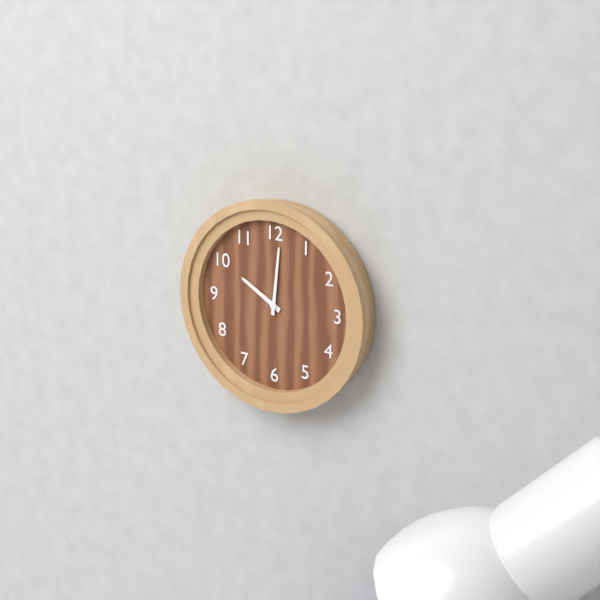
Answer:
10h01
